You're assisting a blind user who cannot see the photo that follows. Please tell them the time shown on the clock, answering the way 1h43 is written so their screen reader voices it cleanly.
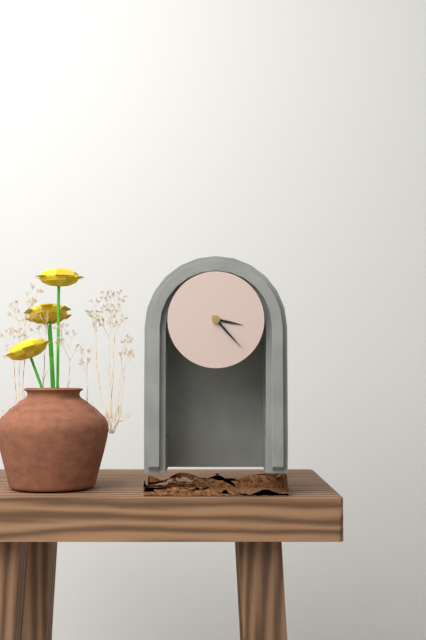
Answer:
3h23
